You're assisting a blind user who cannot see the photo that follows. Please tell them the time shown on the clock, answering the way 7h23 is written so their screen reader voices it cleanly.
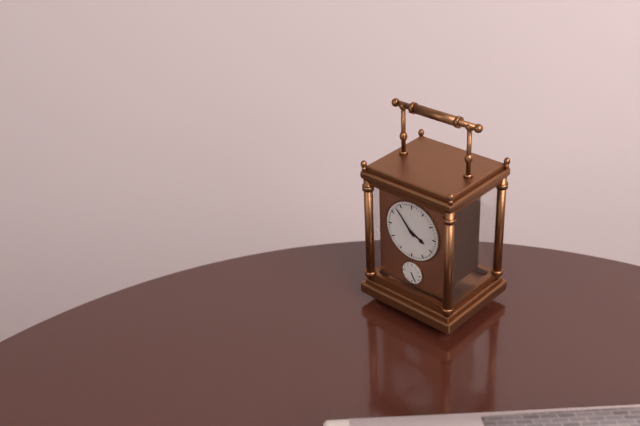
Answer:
3h53
